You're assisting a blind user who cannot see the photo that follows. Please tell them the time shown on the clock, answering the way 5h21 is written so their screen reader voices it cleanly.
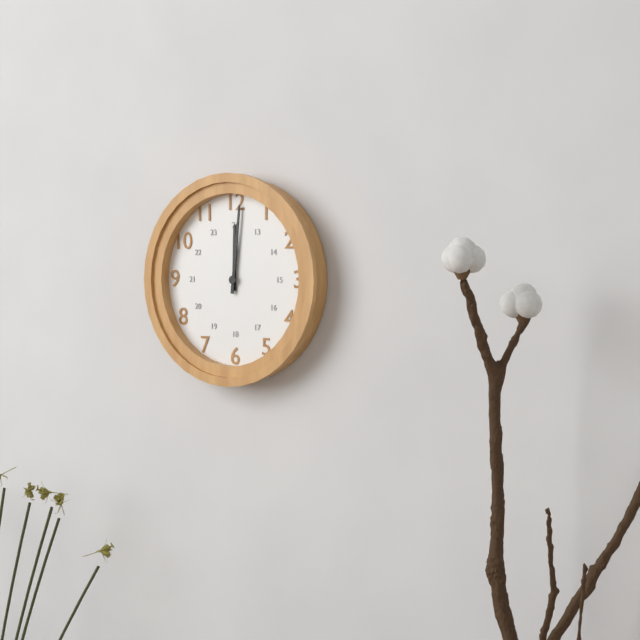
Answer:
12h01
